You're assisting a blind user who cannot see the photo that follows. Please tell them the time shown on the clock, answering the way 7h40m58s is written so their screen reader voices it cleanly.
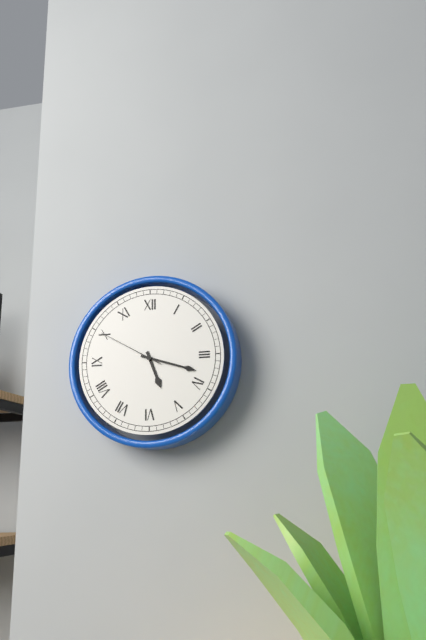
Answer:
5h18m50s
